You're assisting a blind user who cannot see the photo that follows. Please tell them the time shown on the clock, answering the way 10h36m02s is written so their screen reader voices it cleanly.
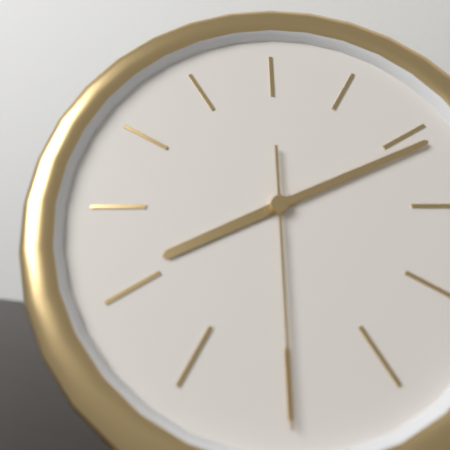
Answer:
8h11m30s
